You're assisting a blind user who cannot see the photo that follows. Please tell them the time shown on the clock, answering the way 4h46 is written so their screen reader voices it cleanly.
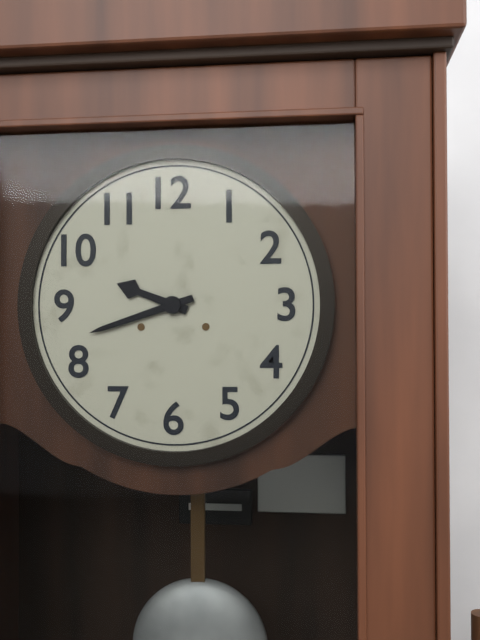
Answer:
9h42
